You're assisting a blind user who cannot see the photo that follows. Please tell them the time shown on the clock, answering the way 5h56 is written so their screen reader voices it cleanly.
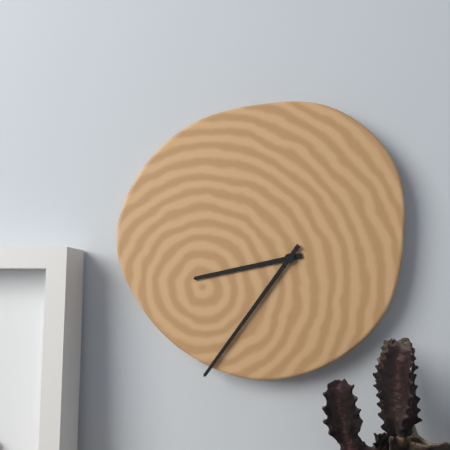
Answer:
8h36
